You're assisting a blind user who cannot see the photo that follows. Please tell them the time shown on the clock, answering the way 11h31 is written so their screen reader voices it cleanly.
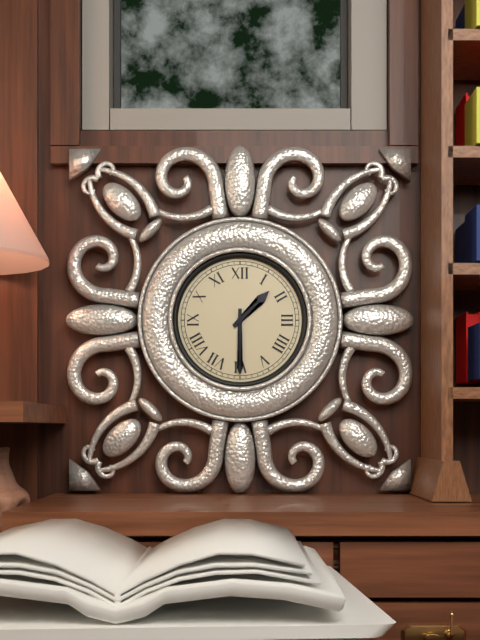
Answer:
1h30
